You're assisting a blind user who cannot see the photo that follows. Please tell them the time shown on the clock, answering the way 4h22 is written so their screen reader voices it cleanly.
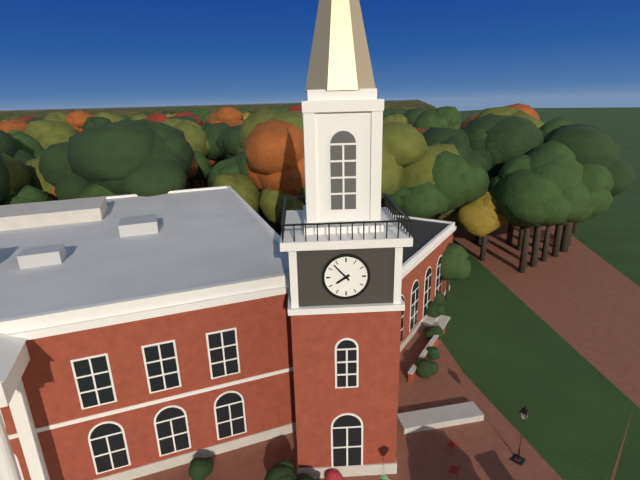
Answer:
7h53
